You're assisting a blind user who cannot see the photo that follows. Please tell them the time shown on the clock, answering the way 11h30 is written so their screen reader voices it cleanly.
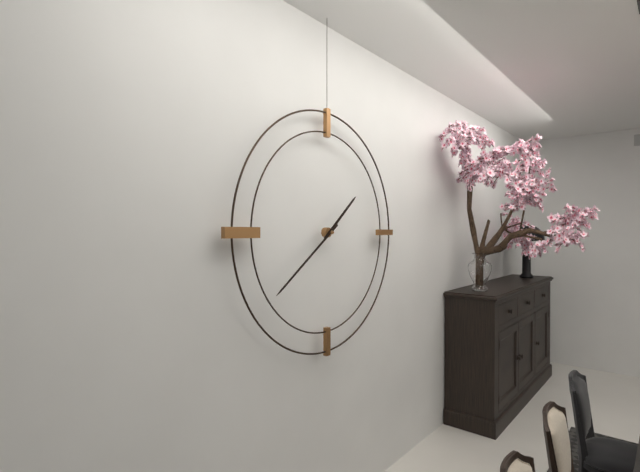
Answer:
1h39
